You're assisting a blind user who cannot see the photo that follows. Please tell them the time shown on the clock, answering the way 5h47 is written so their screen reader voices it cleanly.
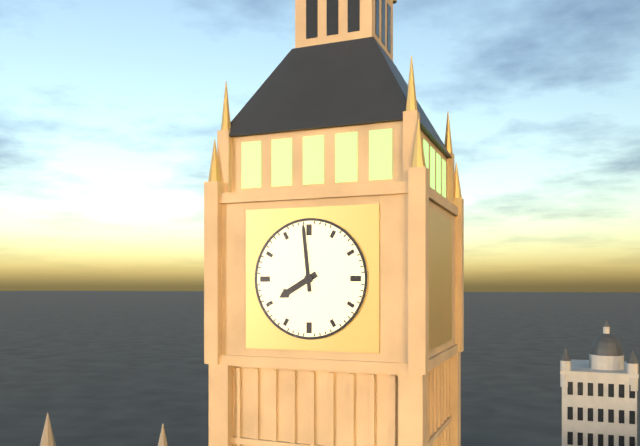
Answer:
7h59
